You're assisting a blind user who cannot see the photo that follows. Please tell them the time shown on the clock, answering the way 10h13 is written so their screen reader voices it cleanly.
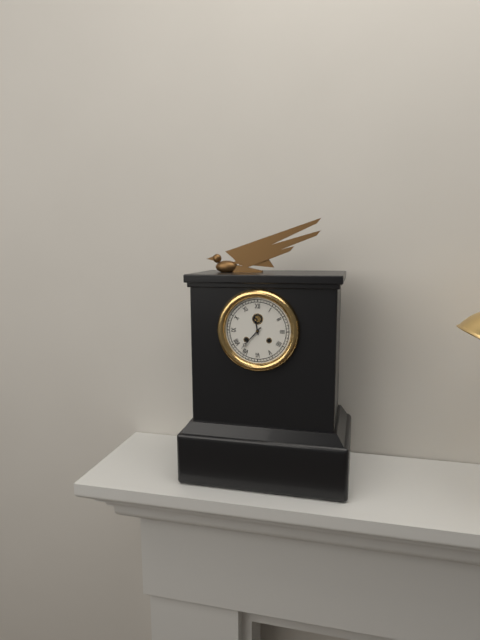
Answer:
11h37
